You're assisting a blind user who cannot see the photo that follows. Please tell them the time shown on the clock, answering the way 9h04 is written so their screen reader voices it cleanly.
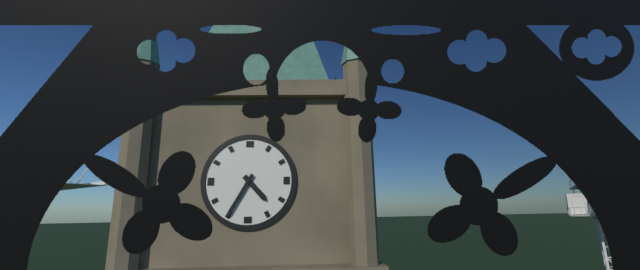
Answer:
4h35
